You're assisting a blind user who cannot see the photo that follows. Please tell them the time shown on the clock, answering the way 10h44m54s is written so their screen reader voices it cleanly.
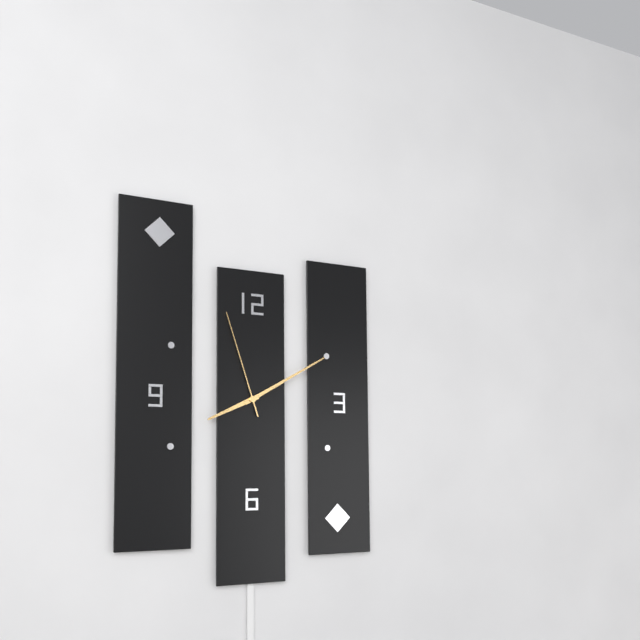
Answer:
8h10m57s
